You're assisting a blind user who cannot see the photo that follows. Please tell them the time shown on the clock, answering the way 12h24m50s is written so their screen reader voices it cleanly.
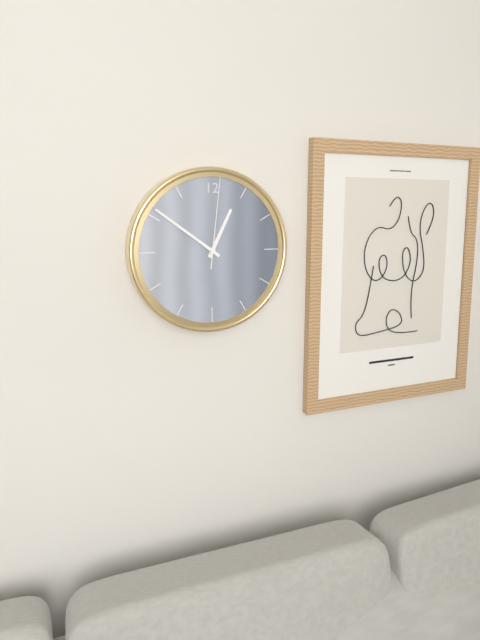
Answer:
12h51m01s
